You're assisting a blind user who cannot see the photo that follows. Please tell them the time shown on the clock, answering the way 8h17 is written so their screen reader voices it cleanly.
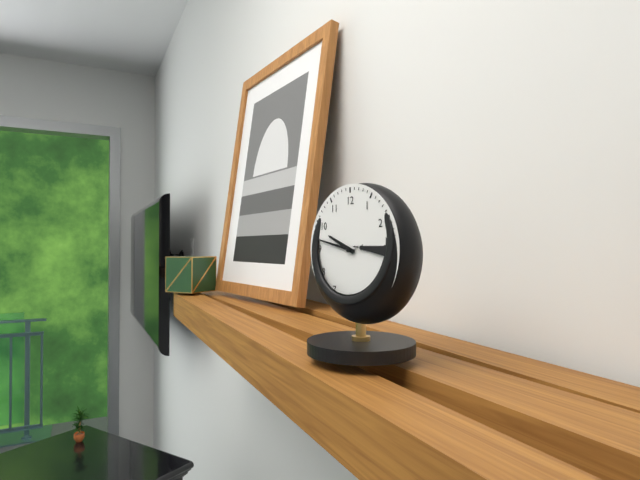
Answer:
9h47
